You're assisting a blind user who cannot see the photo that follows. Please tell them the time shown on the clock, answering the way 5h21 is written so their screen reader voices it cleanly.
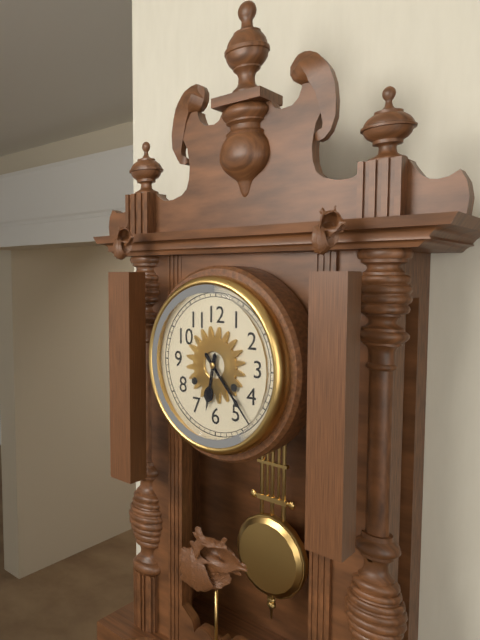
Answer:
6h23
